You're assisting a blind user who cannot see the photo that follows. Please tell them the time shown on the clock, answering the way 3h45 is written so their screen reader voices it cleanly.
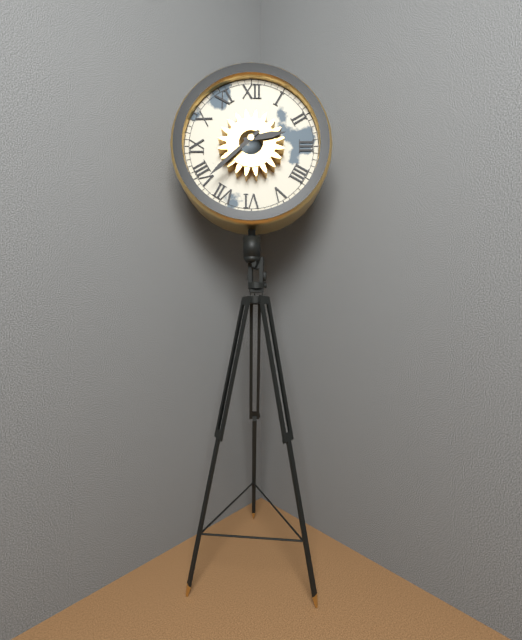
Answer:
2h38
